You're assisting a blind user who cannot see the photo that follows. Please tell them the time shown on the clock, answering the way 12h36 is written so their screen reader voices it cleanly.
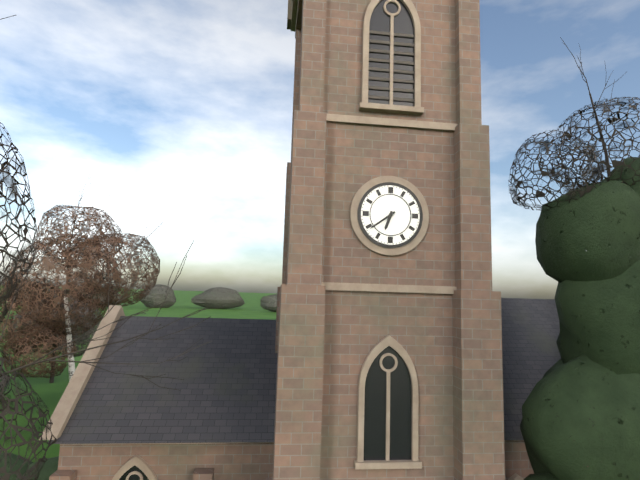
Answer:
6h39
